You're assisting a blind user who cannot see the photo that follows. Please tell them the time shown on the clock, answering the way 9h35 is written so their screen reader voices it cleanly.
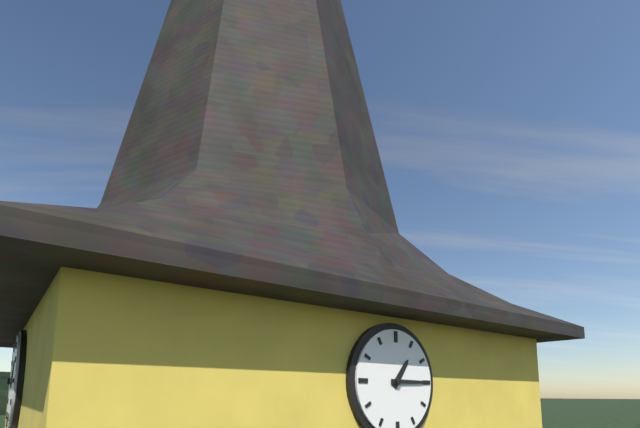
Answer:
1h15
